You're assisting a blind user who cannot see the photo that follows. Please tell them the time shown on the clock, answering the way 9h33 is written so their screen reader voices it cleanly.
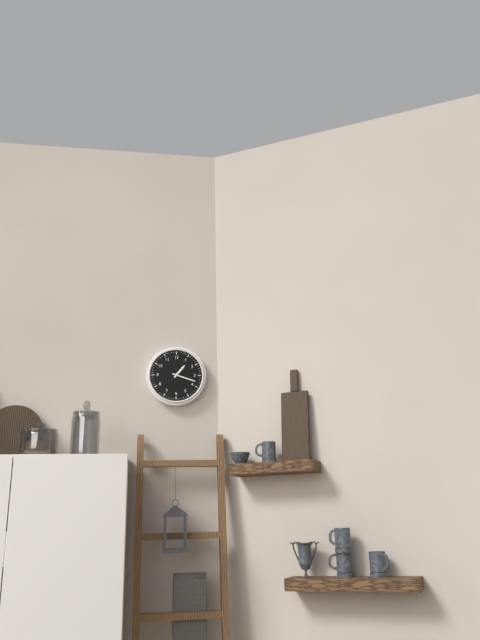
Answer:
1h18
